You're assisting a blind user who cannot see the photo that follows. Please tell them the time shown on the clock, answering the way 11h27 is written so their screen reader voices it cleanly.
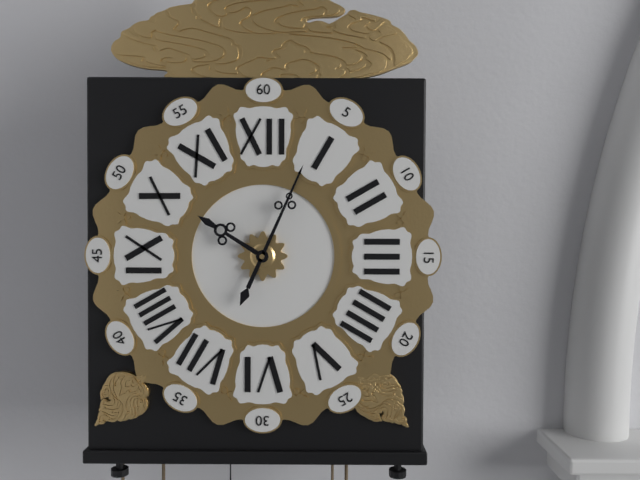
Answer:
10h04
